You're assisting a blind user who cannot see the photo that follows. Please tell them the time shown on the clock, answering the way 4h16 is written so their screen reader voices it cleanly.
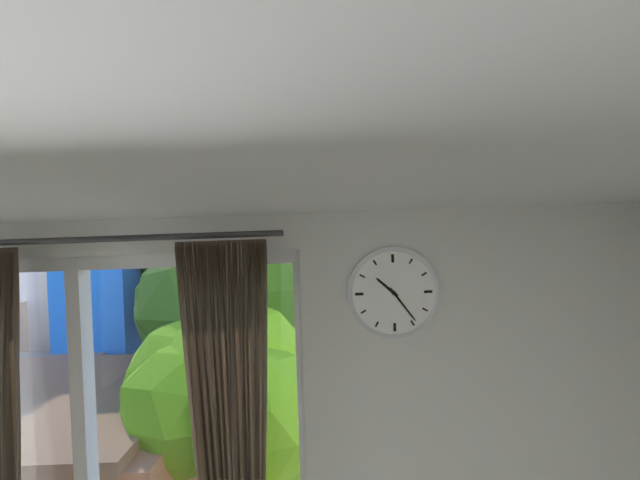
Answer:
10h24
